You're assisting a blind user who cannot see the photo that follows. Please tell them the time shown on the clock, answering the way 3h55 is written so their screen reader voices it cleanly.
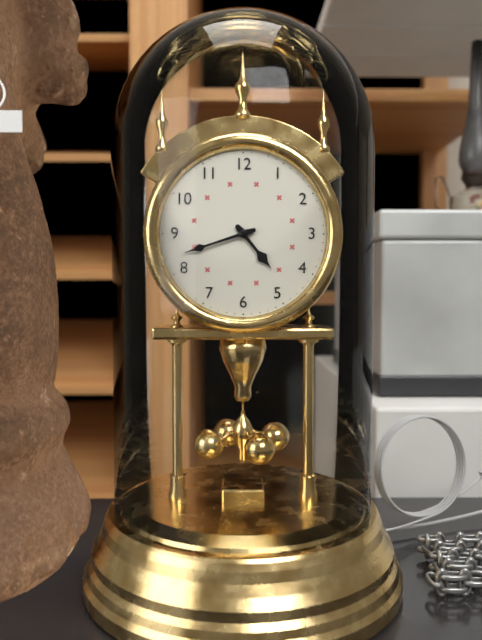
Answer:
4h42
